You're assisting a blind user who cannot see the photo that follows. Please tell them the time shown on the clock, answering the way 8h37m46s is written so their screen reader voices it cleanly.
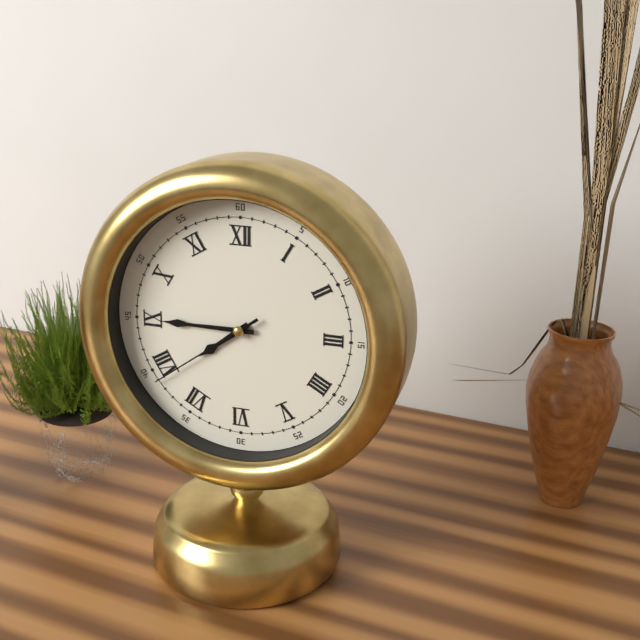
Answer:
7h45m39s
